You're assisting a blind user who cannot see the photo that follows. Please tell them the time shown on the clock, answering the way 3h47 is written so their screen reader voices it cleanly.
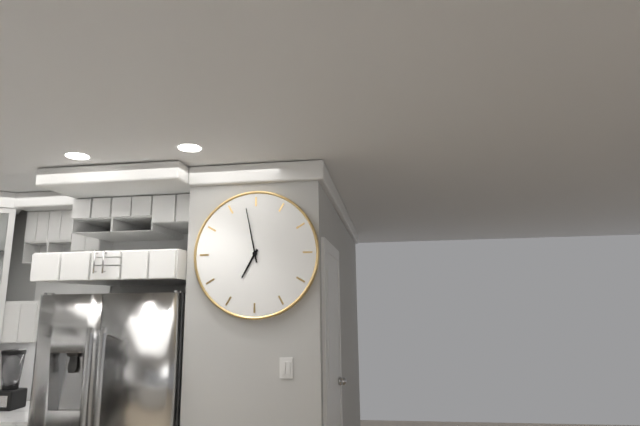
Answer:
6h58
